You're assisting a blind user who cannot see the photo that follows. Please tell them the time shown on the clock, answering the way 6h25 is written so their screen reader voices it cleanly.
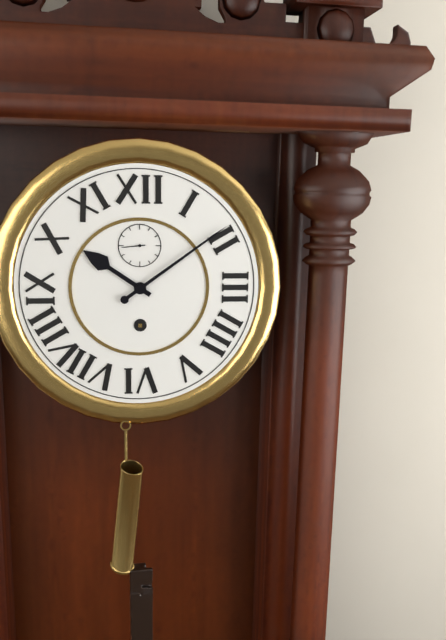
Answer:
10h09
